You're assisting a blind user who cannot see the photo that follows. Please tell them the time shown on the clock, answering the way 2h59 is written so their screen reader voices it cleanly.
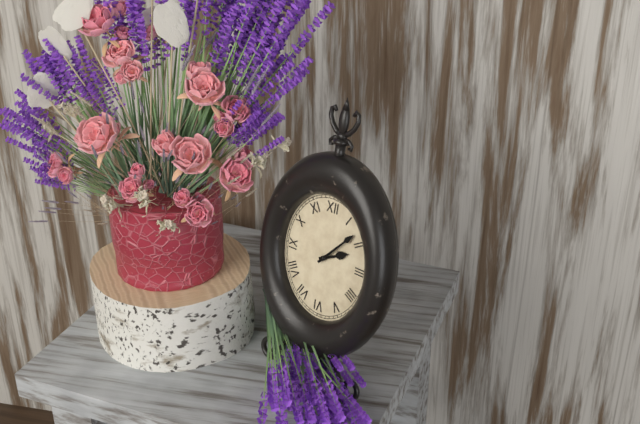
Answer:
2h07
